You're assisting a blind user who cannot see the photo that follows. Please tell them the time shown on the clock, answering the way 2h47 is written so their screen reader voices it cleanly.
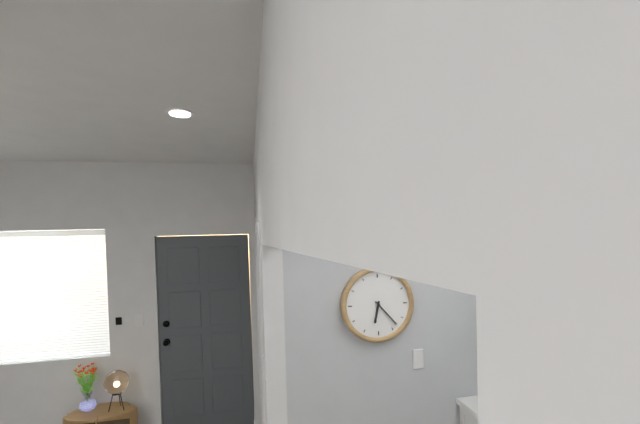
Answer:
6h23
